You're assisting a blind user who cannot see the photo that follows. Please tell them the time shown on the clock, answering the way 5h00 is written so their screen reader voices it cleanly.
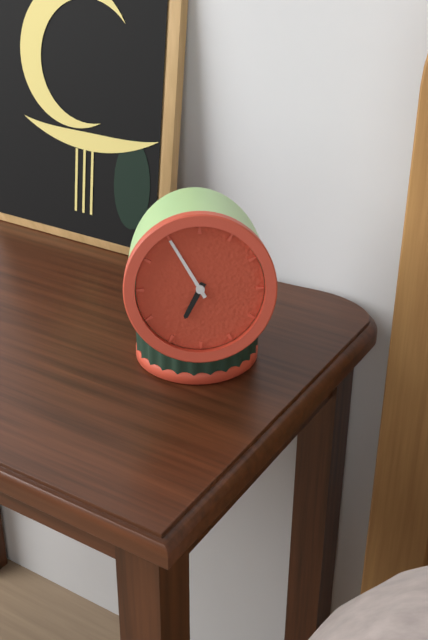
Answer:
6h55
